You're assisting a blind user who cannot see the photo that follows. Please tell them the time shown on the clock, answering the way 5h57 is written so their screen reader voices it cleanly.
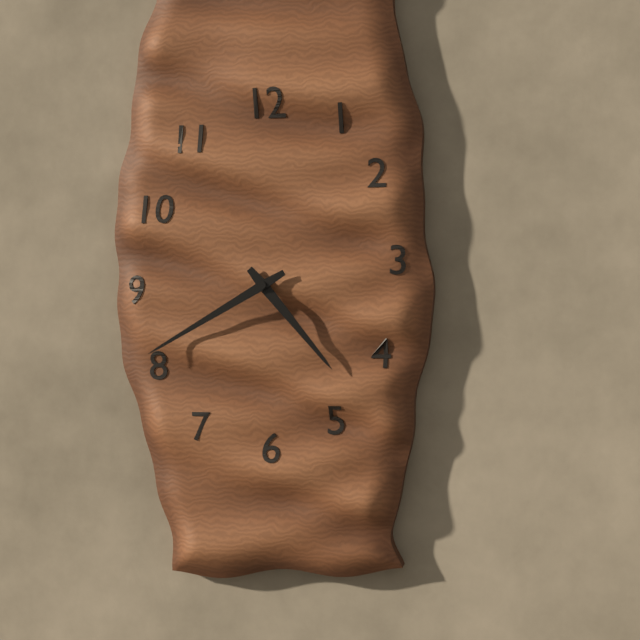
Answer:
4h40
